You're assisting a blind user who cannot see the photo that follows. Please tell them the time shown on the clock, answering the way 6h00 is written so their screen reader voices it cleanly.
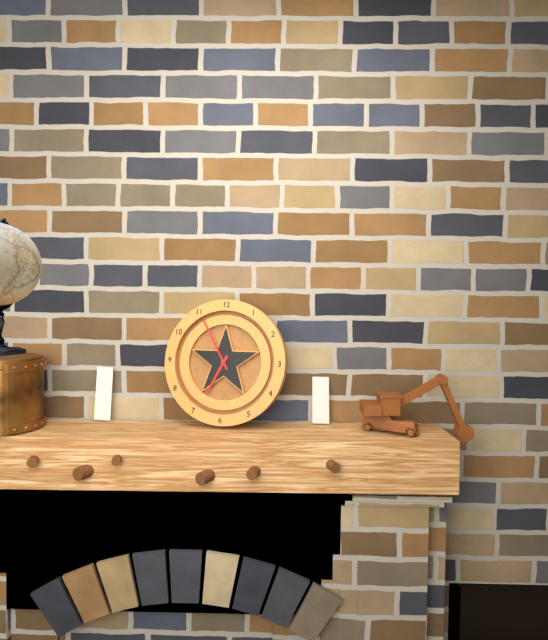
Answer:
6h55
